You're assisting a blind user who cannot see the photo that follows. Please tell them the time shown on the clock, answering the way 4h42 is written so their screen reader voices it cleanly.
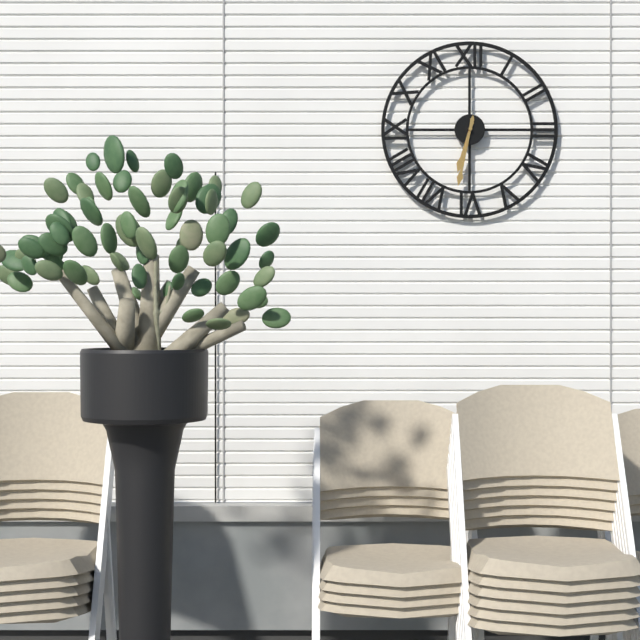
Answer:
6h32
